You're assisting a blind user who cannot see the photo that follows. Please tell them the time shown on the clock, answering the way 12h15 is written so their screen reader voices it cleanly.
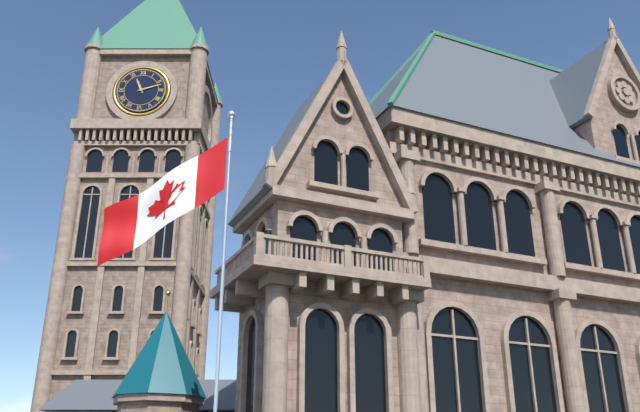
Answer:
11h12
